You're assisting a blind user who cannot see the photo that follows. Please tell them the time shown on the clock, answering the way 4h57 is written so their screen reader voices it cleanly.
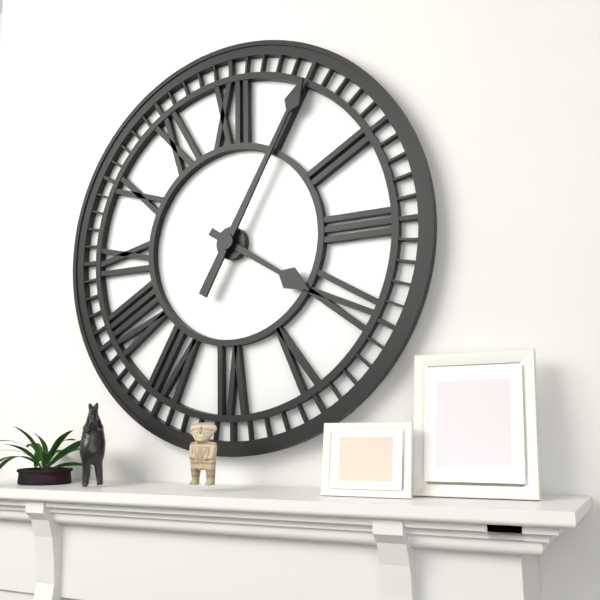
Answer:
4h05
